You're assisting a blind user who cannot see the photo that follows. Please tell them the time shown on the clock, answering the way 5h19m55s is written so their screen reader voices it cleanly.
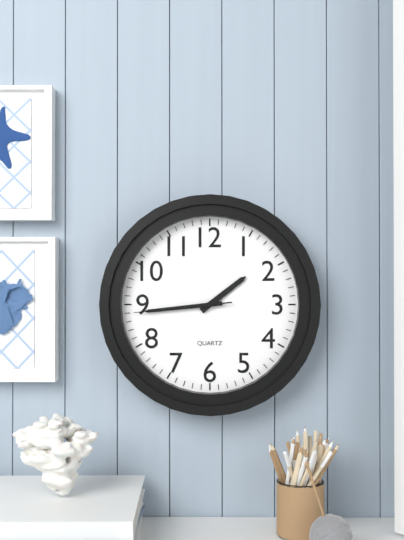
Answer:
1h44m44s
